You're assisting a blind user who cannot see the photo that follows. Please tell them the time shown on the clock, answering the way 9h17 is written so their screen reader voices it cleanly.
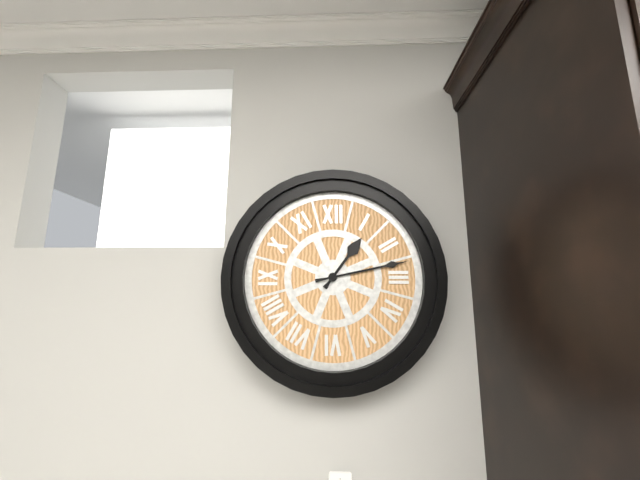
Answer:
1h13
